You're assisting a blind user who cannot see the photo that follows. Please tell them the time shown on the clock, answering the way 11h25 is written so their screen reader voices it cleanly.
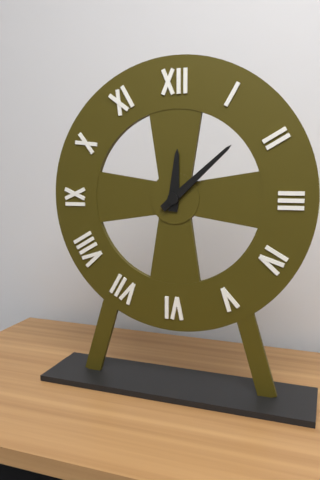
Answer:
12h08
